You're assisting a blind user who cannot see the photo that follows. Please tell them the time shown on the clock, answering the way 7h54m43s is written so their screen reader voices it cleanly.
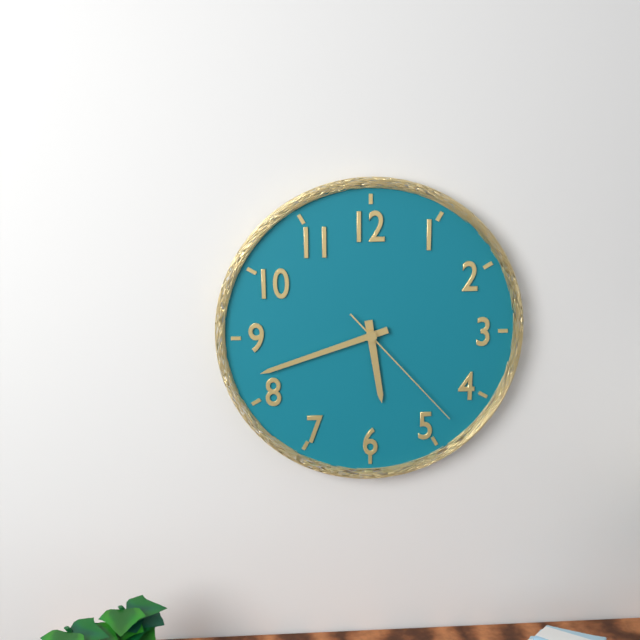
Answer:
5h42m23s
